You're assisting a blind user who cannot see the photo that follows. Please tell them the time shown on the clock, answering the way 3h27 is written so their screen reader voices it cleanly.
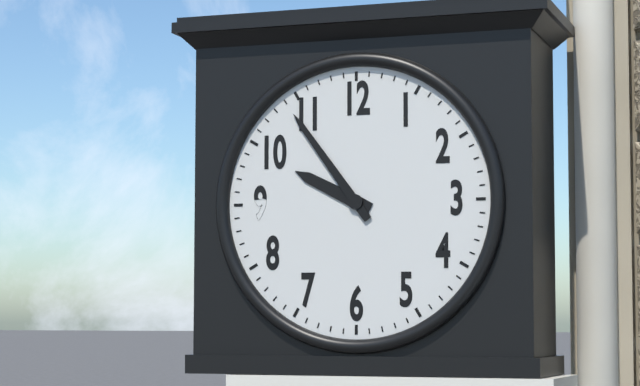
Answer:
9h54
